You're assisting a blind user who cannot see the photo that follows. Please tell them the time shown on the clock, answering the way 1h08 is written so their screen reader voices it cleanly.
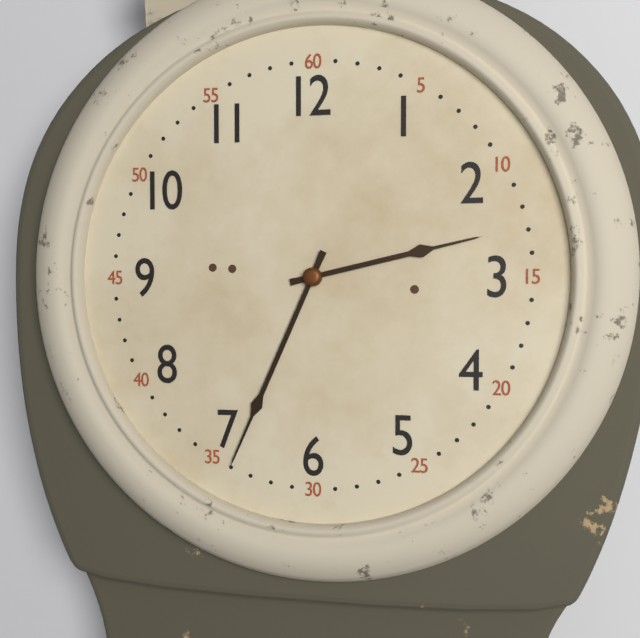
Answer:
2h34
